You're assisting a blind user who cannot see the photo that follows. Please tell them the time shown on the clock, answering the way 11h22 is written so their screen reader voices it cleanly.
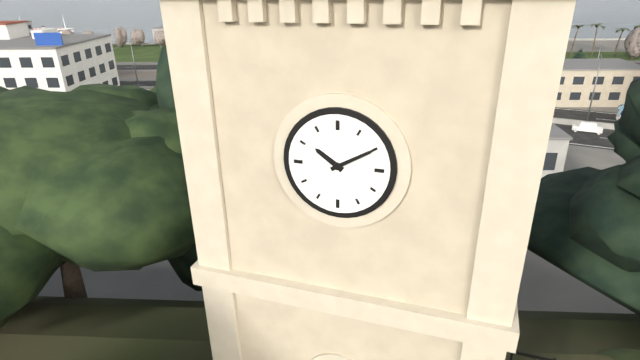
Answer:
10h10
